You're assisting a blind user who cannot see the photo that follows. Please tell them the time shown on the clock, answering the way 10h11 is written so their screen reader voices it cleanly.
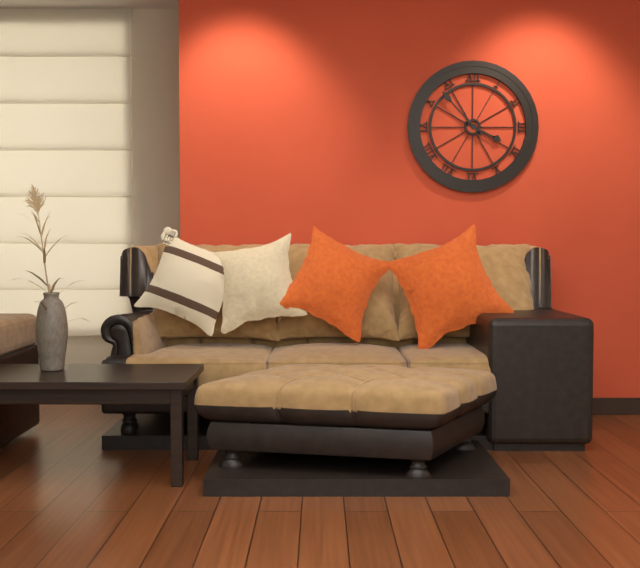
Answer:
3h53
